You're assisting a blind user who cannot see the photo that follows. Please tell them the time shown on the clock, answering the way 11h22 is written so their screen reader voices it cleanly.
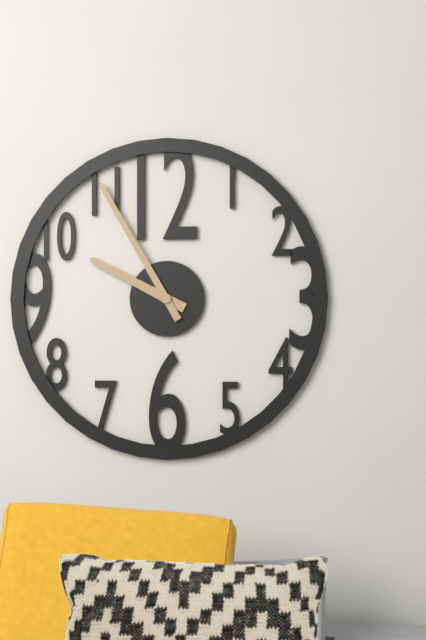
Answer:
9h55
